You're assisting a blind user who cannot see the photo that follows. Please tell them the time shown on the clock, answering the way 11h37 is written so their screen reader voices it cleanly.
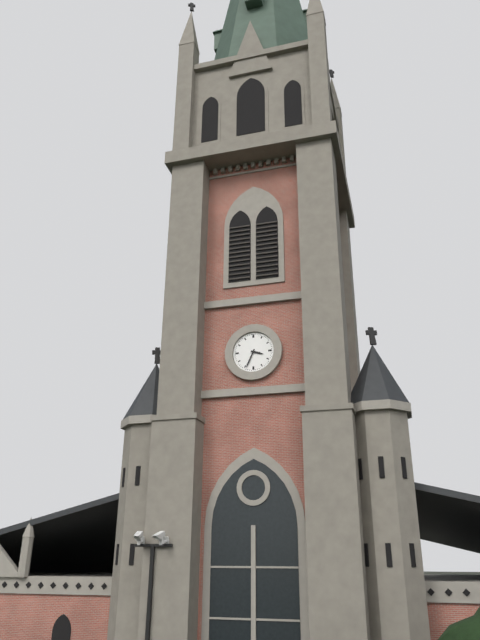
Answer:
3h34
